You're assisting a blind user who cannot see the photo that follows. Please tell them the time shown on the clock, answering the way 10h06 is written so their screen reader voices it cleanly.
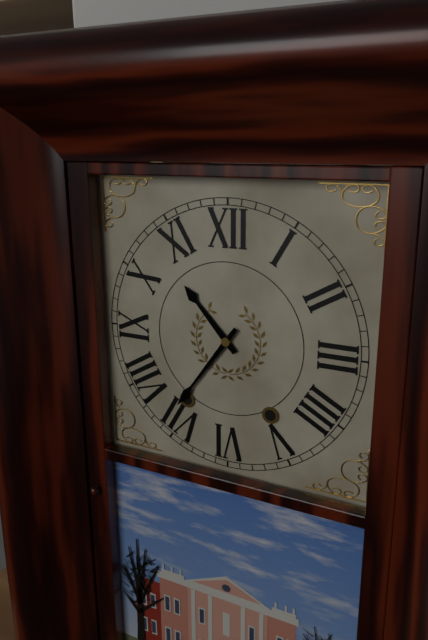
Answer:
10h36
